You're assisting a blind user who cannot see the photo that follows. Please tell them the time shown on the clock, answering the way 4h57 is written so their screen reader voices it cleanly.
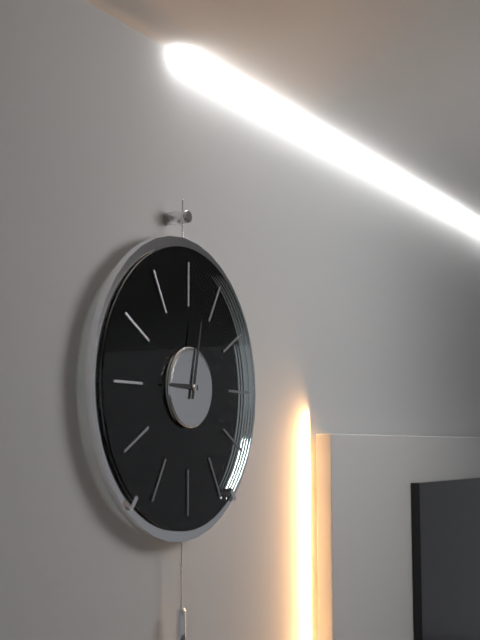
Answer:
9h02
